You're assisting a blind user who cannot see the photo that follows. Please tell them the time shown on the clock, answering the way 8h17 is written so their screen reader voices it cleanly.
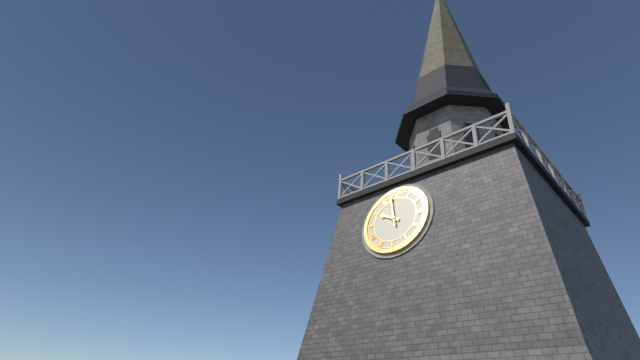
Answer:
9h58
